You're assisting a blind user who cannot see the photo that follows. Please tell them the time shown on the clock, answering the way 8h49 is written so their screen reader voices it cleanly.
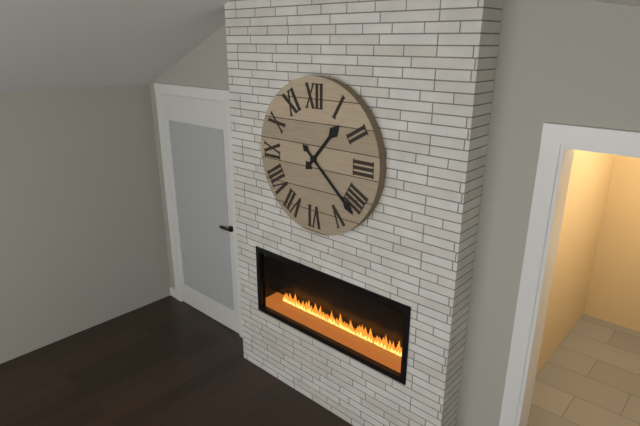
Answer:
1h22
